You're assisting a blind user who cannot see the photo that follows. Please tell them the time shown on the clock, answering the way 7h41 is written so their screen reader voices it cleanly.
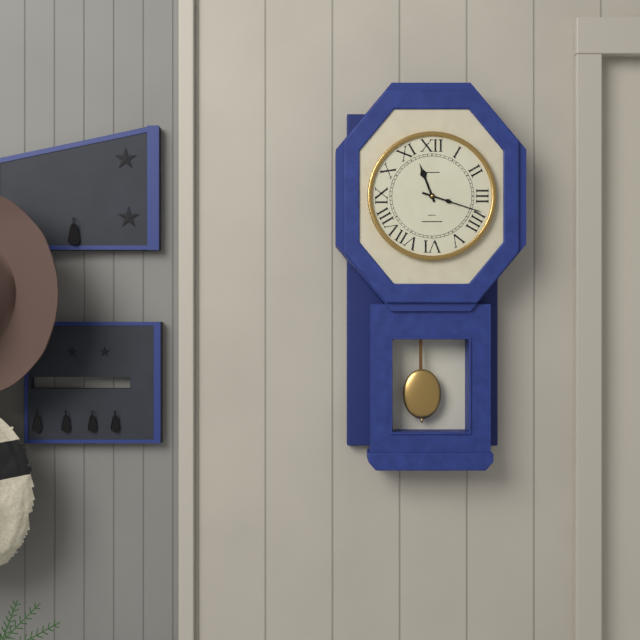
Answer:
11h18
